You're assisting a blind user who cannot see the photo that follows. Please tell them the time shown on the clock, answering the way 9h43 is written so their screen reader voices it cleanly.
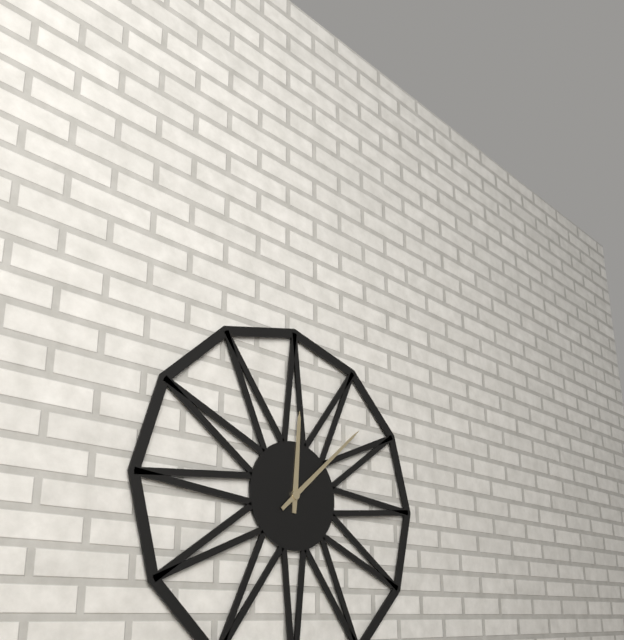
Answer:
12h08
